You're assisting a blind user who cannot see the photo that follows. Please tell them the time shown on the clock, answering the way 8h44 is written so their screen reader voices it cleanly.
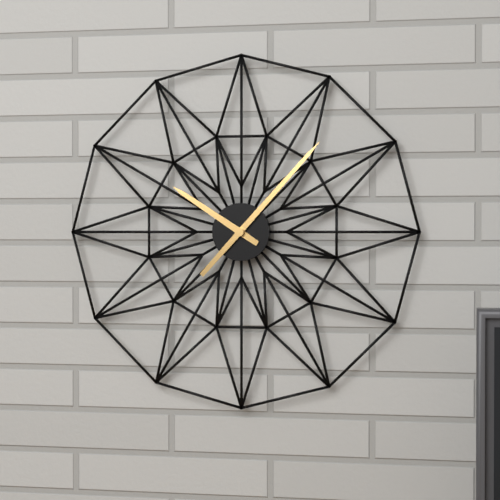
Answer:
10h07
